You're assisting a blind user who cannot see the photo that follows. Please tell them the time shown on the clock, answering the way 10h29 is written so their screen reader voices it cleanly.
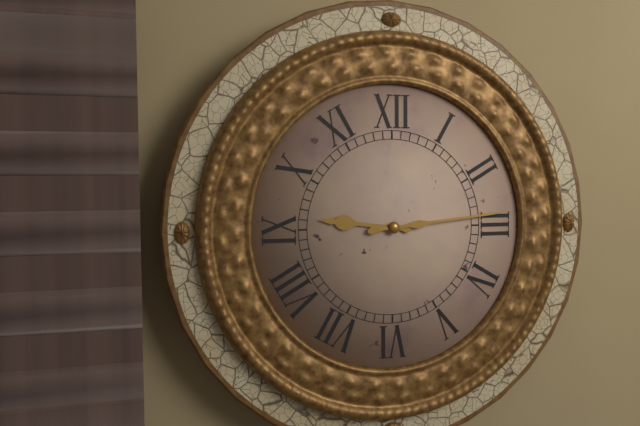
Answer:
9h14
